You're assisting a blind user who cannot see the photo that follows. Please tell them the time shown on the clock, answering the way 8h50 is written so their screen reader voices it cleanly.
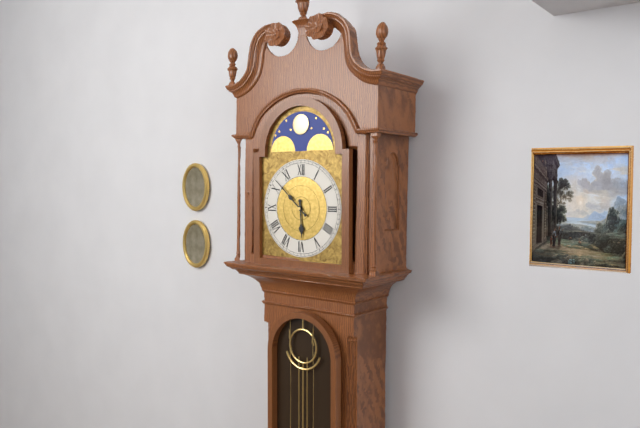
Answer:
5h52
